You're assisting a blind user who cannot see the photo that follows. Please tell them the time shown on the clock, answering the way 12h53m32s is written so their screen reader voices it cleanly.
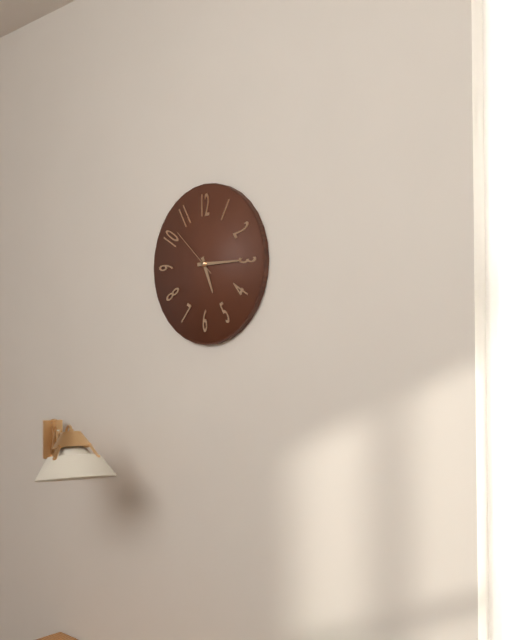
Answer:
5h15m52s
